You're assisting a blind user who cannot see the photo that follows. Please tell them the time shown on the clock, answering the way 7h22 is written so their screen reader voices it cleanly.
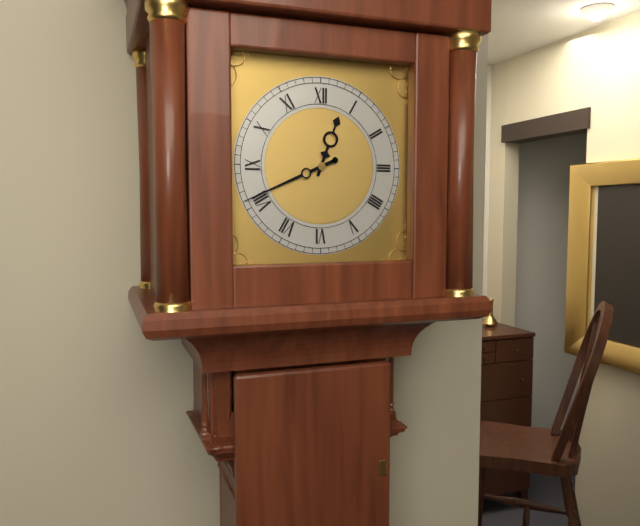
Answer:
12h41
